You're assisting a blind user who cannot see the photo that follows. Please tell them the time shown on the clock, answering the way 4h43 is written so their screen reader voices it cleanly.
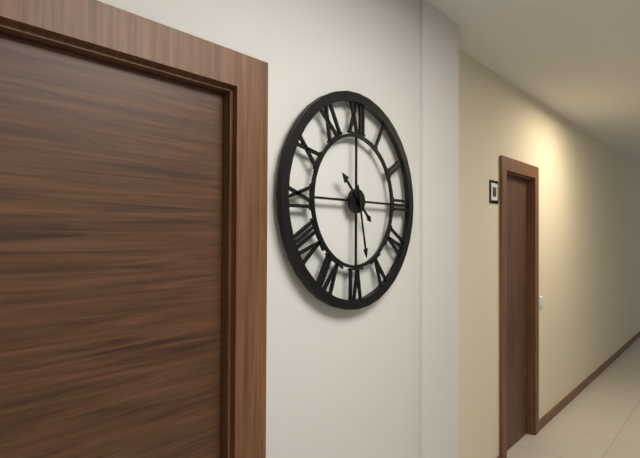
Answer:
10h28
